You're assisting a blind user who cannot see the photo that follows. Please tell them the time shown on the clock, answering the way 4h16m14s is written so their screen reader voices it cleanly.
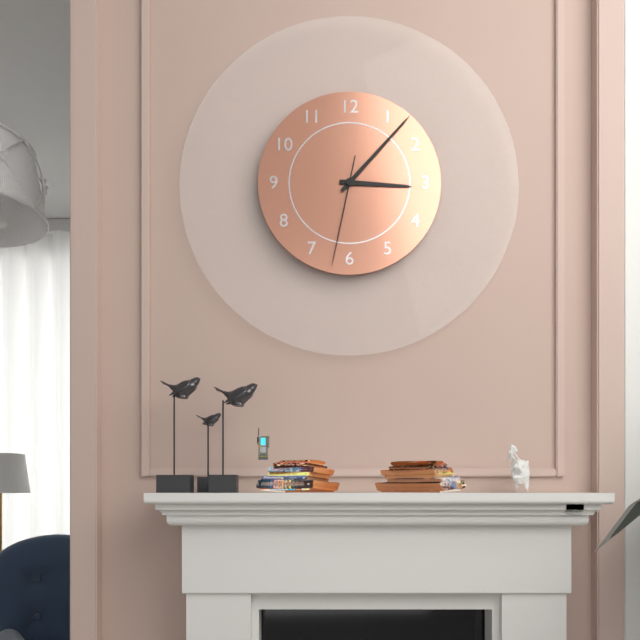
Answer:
3h07m32s
